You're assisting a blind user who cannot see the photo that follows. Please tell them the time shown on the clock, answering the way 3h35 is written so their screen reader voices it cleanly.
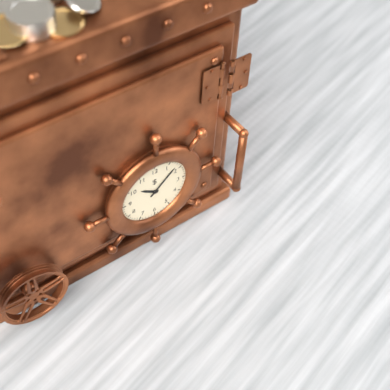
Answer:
10h08
